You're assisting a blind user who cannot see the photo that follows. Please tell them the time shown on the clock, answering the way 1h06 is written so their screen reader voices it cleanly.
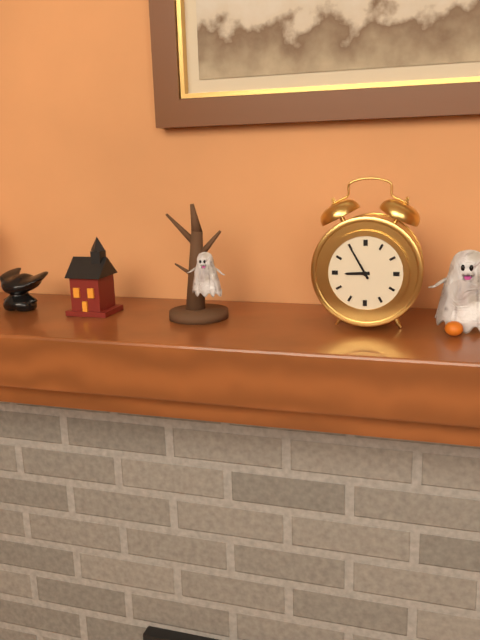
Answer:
8h55
